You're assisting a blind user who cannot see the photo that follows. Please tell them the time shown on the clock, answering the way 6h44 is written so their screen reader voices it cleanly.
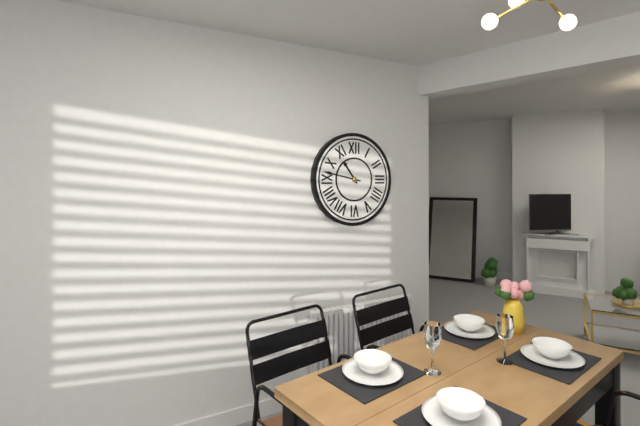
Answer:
10h47
